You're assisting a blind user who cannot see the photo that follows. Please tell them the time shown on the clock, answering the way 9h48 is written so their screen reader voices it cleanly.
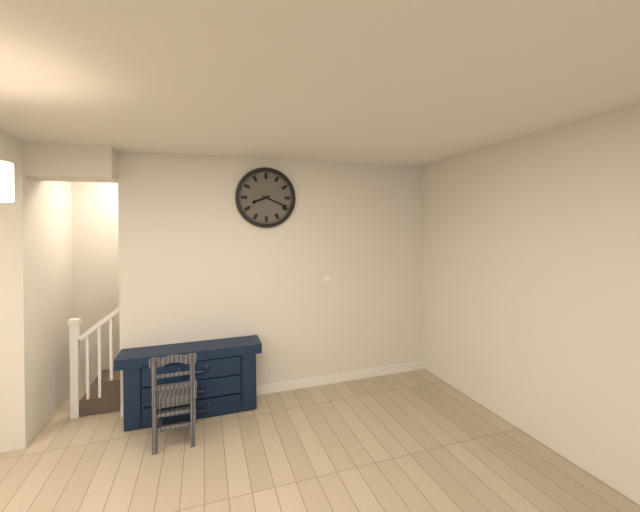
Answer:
8h19
